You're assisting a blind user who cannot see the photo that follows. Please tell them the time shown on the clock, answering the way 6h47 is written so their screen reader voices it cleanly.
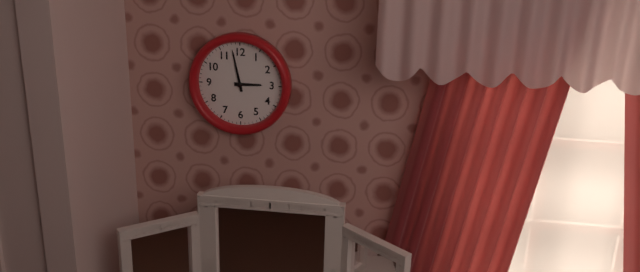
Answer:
2h58
